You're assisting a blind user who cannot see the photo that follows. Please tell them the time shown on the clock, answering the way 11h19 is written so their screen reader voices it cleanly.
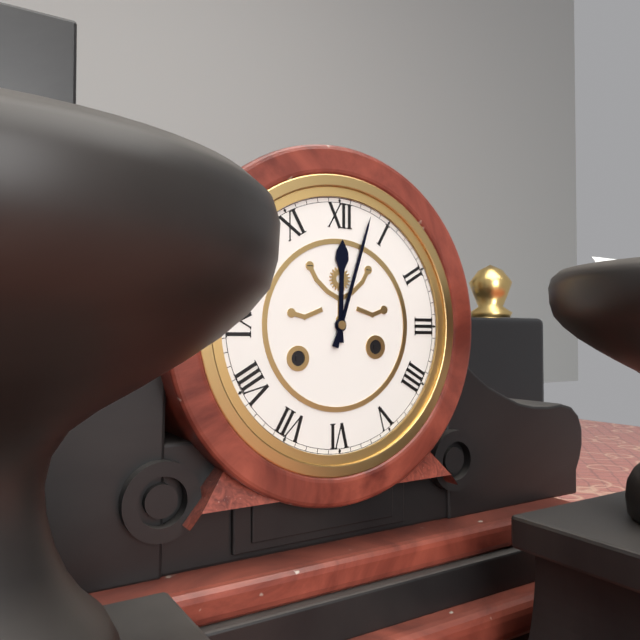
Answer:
12h03
